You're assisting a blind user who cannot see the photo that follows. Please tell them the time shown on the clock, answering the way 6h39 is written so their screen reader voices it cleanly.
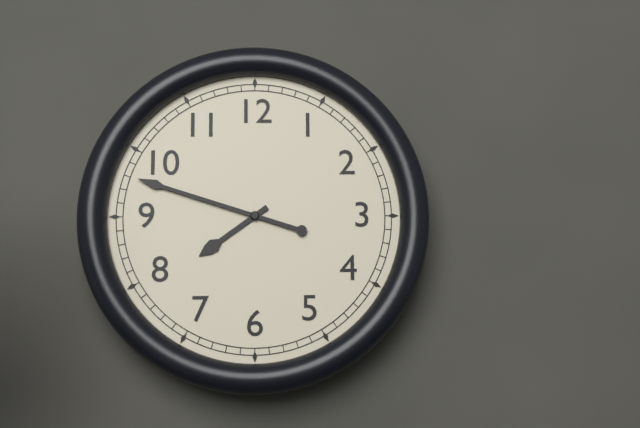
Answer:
7h48
